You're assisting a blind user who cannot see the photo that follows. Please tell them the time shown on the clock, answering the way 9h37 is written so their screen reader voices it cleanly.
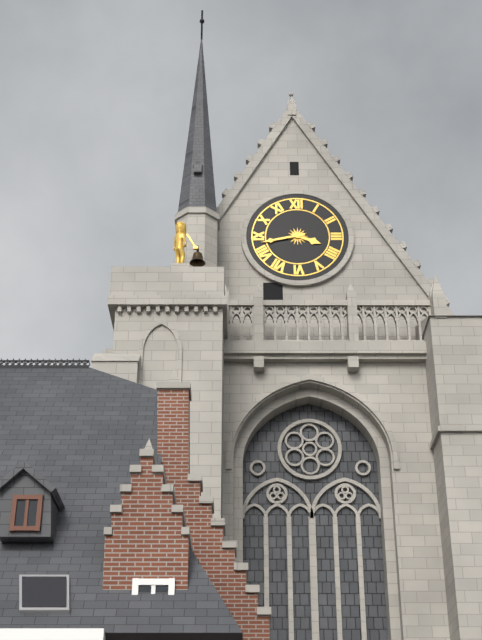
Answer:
3h43
